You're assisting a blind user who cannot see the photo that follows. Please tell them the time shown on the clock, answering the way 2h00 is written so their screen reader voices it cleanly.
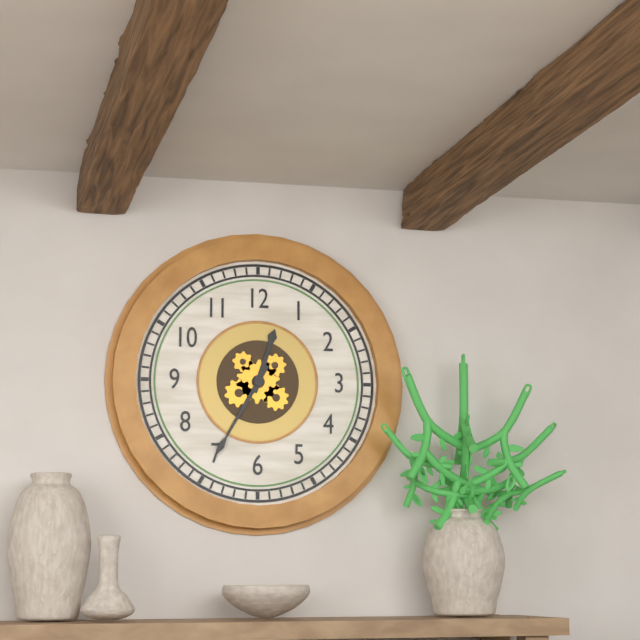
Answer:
12h35
